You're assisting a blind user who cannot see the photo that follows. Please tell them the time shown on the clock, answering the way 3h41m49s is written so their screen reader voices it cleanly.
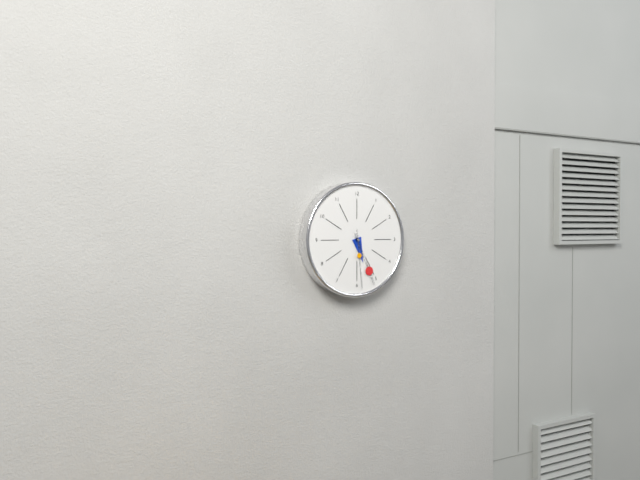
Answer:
5h26m29s
